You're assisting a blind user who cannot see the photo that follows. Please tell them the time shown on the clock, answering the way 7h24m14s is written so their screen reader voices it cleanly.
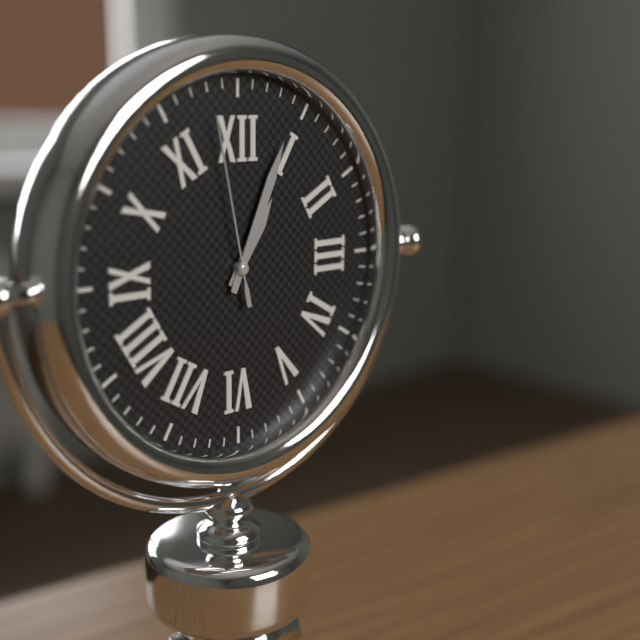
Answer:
1h04m58s
